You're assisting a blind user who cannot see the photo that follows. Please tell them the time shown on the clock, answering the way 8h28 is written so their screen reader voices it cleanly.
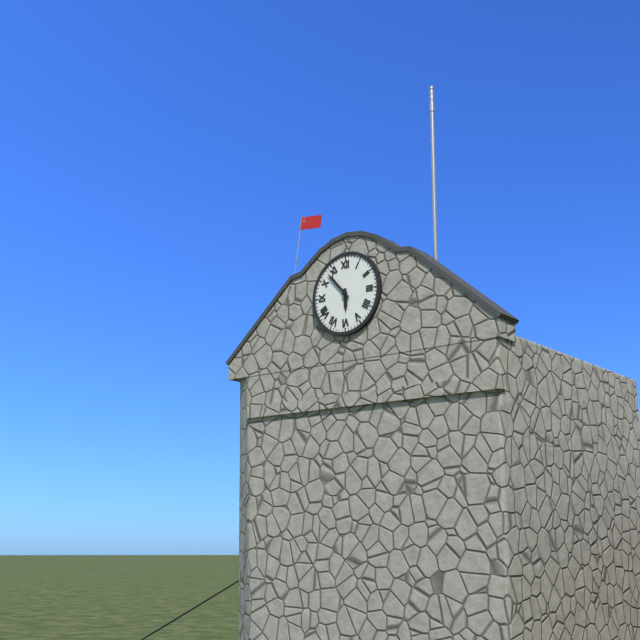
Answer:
5h53
